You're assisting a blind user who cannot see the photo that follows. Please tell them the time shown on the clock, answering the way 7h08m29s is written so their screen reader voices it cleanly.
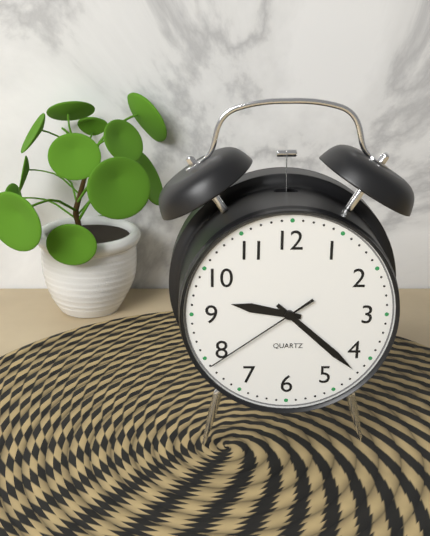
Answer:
9h22m39s
